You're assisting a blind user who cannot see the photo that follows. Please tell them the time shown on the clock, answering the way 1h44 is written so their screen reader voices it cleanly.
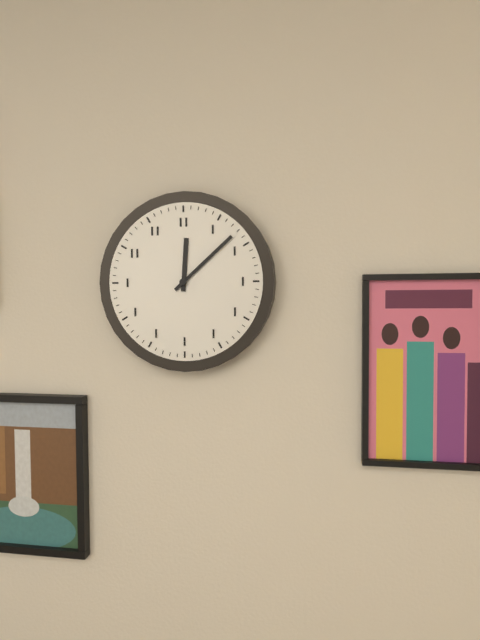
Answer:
12h08
